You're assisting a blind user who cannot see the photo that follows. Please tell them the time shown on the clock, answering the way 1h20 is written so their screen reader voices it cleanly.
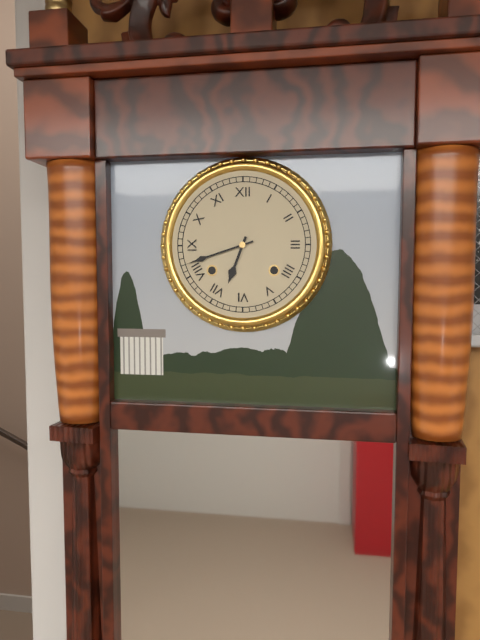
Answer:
6h42
